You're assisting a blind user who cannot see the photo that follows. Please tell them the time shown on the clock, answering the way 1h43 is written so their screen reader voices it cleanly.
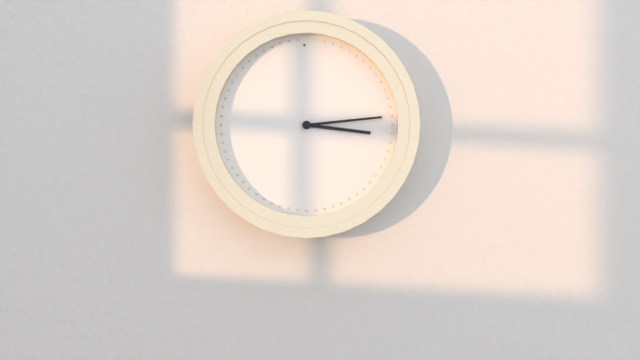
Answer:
3h14
